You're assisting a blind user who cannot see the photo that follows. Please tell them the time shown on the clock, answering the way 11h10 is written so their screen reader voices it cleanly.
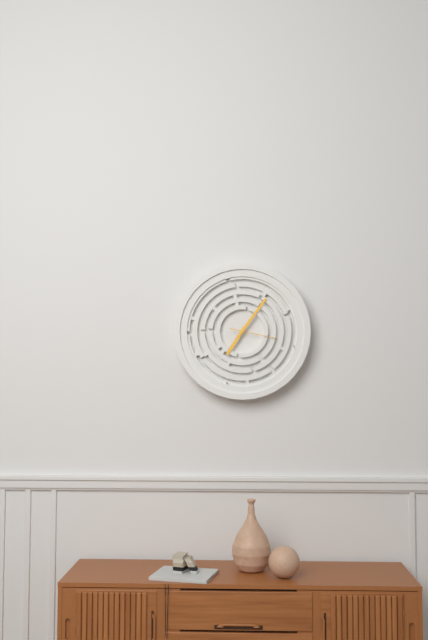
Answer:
7h06
